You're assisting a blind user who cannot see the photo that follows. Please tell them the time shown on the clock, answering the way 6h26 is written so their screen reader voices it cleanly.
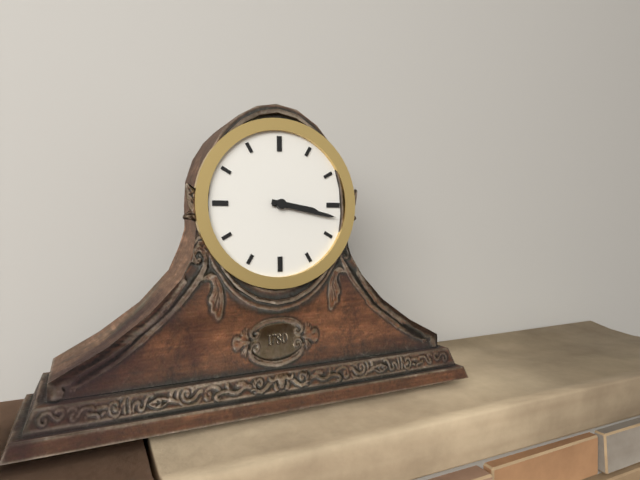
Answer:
3h17
